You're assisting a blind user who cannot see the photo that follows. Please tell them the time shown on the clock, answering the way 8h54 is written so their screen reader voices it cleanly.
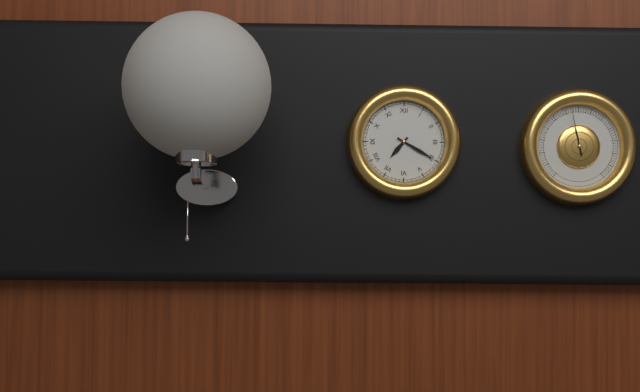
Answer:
7h20
